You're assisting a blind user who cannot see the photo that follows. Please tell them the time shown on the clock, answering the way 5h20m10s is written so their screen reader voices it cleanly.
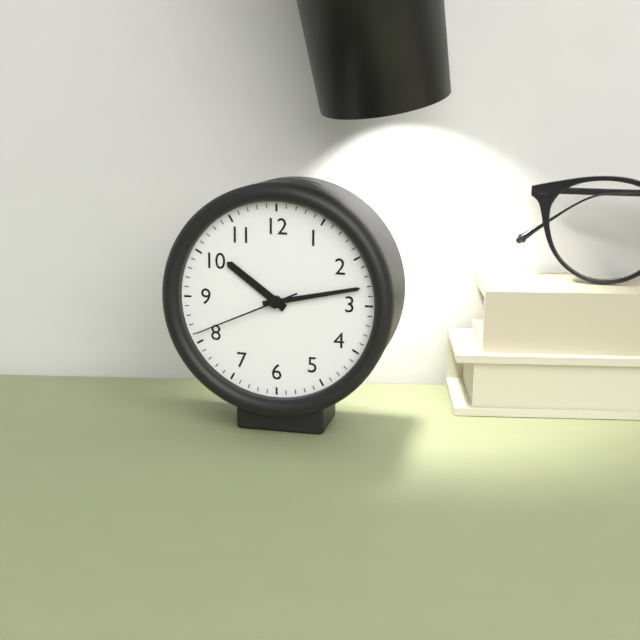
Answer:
10h13m41s
